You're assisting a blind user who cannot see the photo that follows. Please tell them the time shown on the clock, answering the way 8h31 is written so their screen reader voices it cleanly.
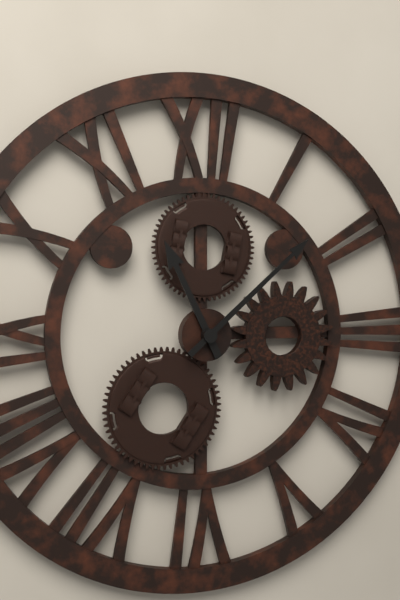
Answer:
11h08
